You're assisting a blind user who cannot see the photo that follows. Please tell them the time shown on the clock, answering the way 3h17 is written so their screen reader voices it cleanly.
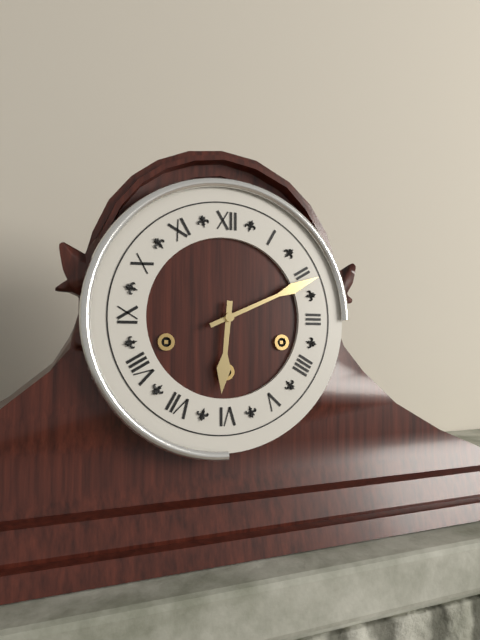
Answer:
6h11
